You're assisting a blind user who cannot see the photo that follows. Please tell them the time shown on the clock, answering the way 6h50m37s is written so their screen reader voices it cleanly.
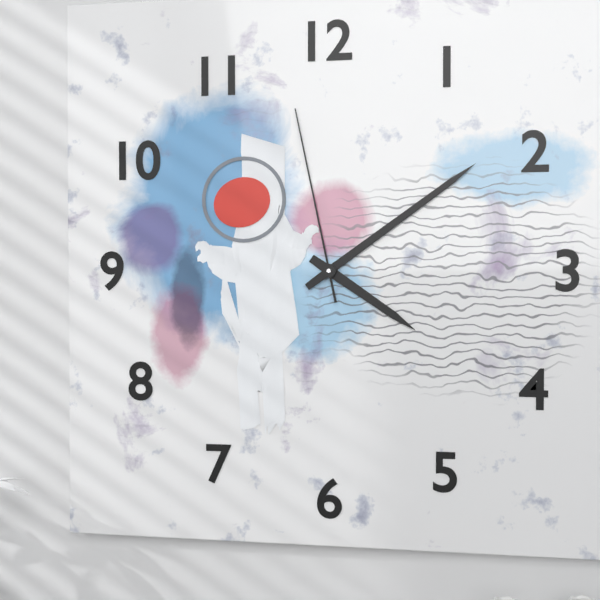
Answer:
4h09m58s
